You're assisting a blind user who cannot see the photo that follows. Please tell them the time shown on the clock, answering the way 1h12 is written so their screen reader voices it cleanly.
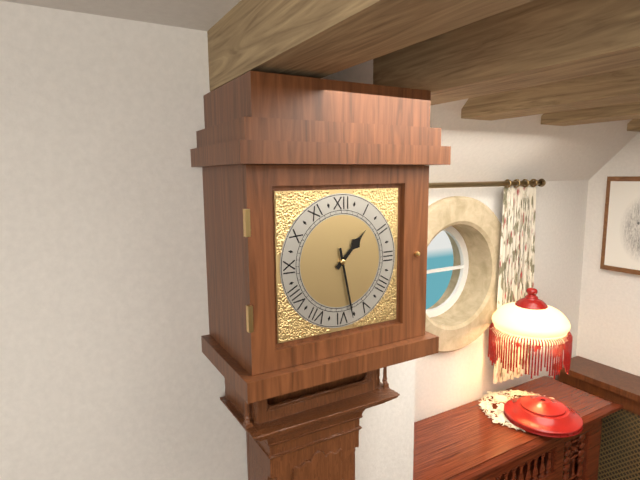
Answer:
1h28
